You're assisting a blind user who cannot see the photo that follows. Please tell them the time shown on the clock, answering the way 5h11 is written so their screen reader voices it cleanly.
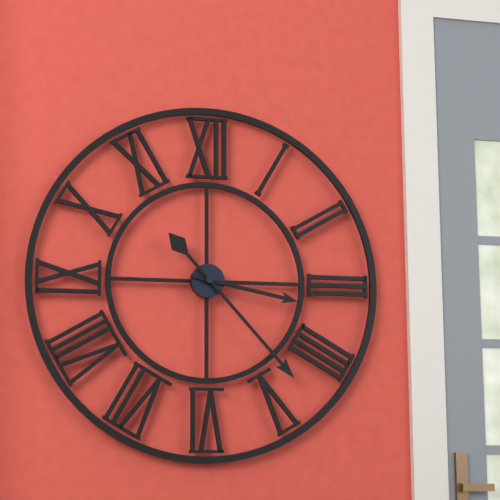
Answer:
3h23
